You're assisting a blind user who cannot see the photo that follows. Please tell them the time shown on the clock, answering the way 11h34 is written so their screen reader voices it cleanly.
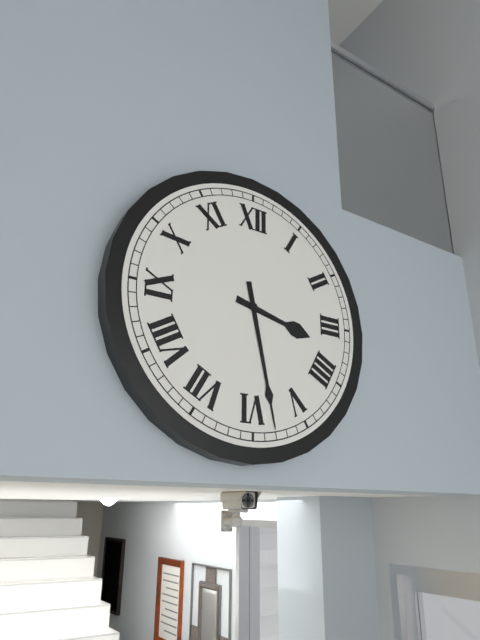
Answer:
3h28
